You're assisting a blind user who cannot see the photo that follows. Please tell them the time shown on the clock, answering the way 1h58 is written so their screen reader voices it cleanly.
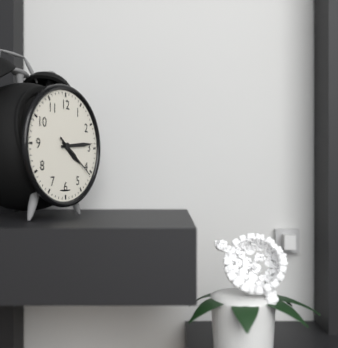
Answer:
4h14
